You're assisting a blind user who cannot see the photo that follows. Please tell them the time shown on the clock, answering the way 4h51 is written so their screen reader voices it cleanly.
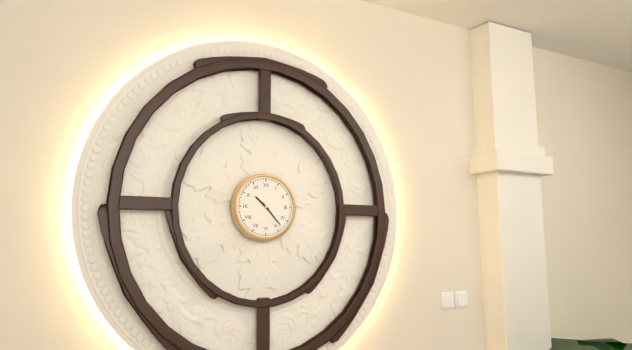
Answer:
10h23
